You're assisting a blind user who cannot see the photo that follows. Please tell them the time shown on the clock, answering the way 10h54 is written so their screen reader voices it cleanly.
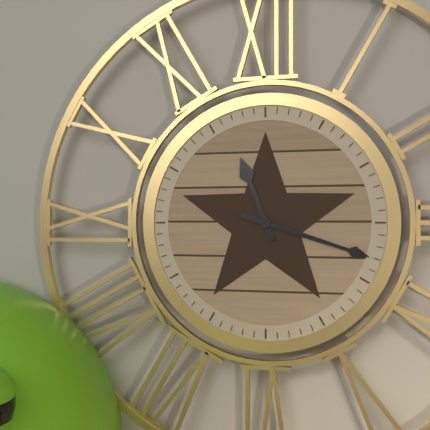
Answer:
11h18
